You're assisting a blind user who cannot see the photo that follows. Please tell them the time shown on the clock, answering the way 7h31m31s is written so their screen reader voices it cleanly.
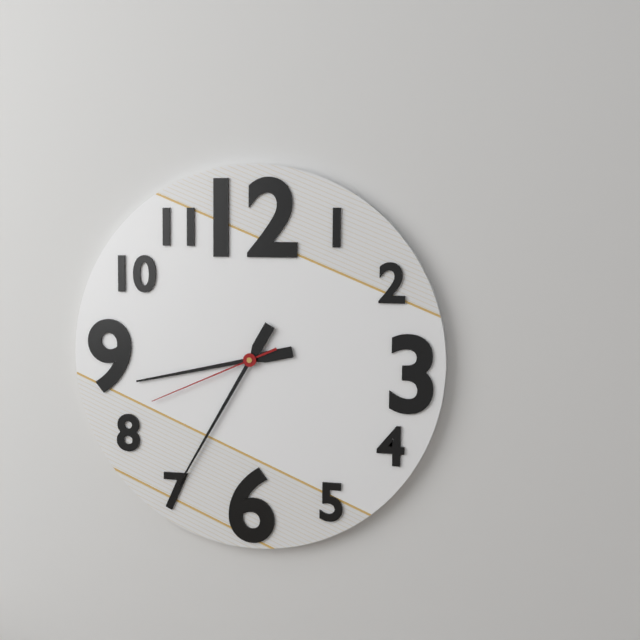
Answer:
8h35m41s
